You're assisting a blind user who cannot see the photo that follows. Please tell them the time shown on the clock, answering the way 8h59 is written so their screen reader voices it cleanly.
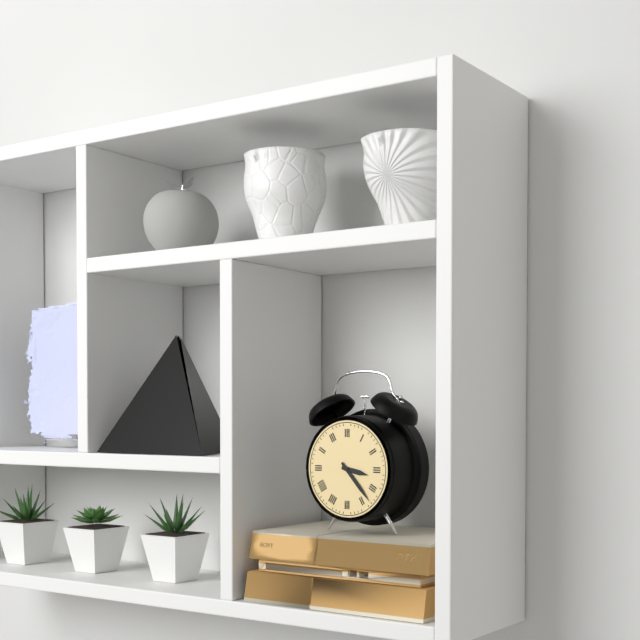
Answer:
3h23
